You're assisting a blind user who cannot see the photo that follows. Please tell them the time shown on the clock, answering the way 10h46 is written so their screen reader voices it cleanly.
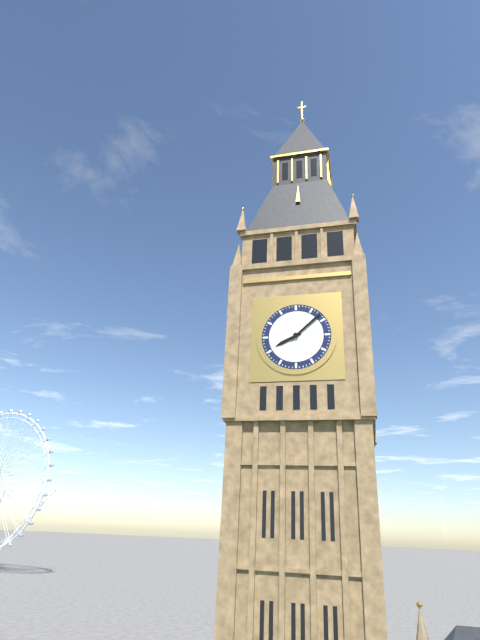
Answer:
8h08
